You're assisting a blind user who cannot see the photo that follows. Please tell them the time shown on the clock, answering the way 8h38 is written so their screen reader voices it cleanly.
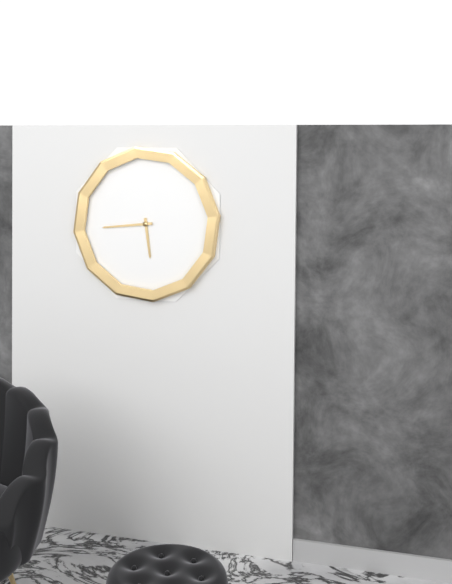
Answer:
5h44
